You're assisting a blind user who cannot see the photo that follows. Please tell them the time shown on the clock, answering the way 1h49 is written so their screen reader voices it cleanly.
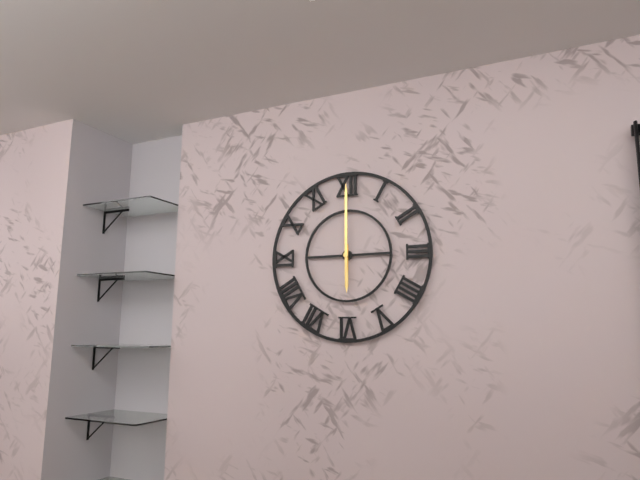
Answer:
6h00
